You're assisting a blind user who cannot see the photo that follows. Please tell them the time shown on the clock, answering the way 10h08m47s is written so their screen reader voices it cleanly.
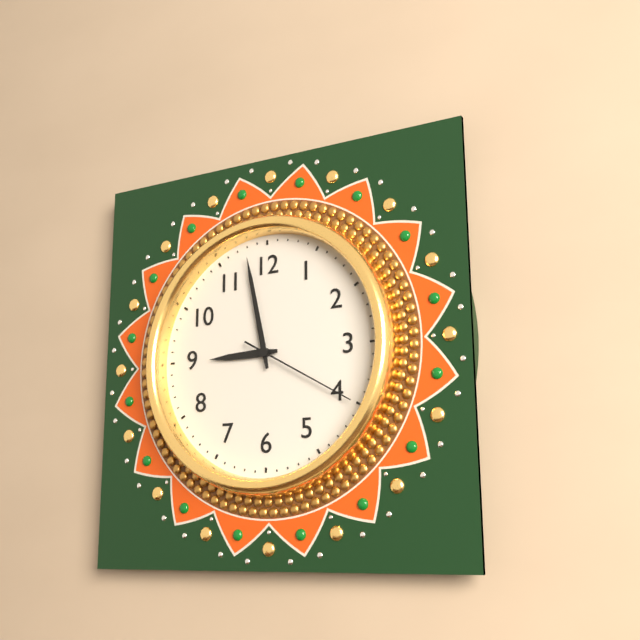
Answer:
8h58m20s
